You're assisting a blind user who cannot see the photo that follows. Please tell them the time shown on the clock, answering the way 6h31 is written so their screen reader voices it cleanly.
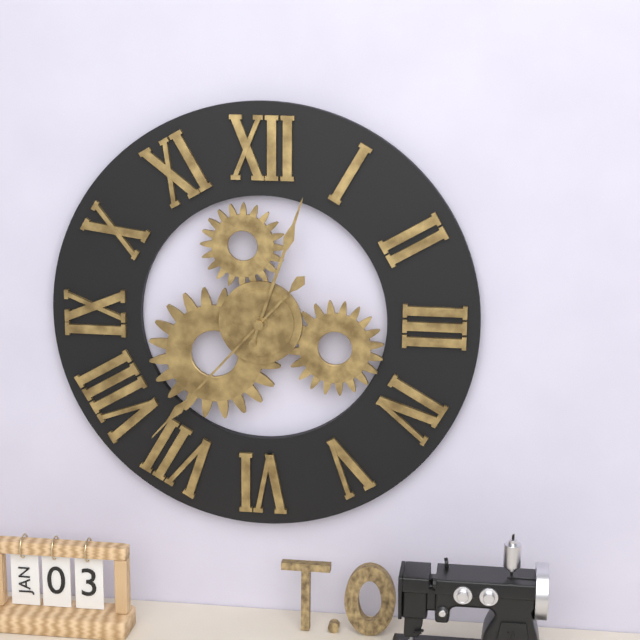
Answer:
12h37
